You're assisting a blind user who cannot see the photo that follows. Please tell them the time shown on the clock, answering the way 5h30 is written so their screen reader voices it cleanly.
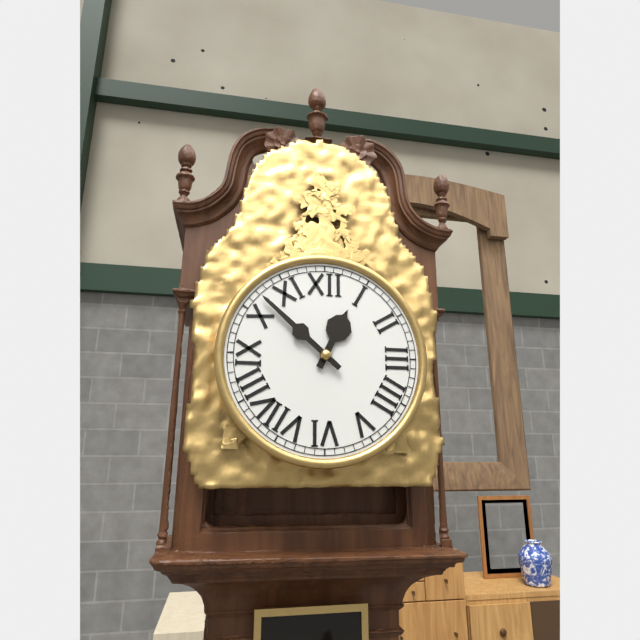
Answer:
12h52
